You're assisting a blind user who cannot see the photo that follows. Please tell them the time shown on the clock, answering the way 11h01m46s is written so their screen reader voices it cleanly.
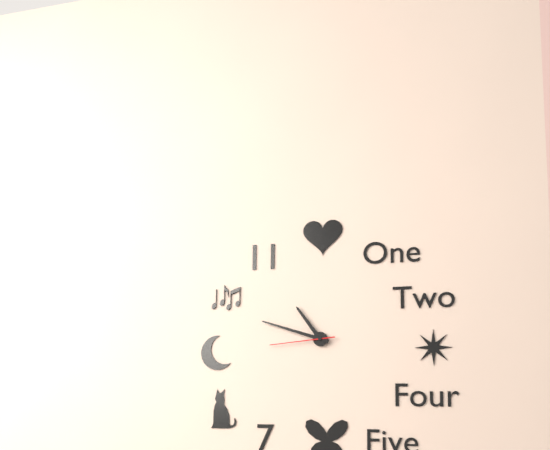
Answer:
10h48m44s
